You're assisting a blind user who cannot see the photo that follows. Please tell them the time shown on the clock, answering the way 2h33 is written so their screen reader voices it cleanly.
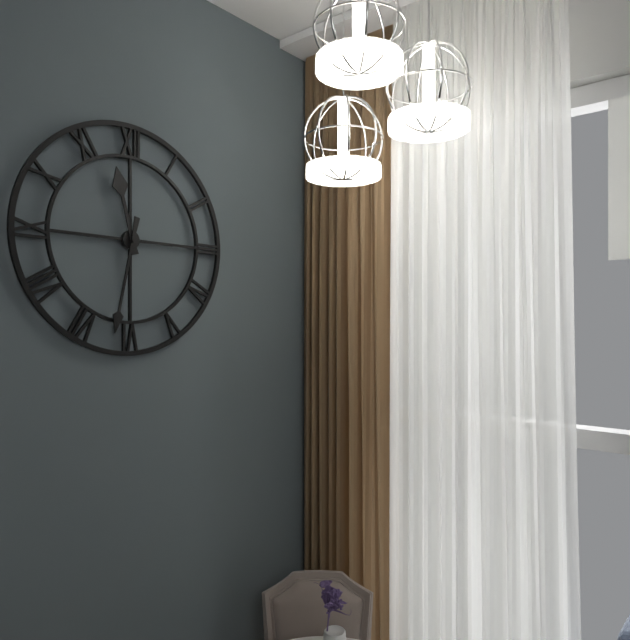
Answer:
11h32
